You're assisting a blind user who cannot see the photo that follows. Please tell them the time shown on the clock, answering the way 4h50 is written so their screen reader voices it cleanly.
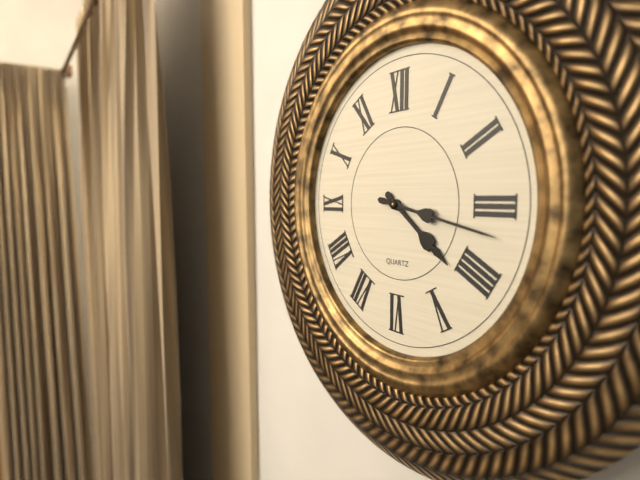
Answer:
4h17
